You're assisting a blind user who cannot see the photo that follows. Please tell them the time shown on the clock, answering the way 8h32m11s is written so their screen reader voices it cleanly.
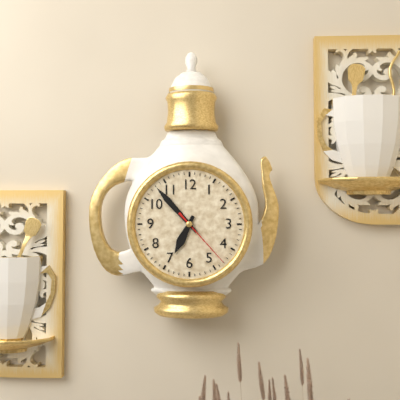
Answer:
6h53m23s
